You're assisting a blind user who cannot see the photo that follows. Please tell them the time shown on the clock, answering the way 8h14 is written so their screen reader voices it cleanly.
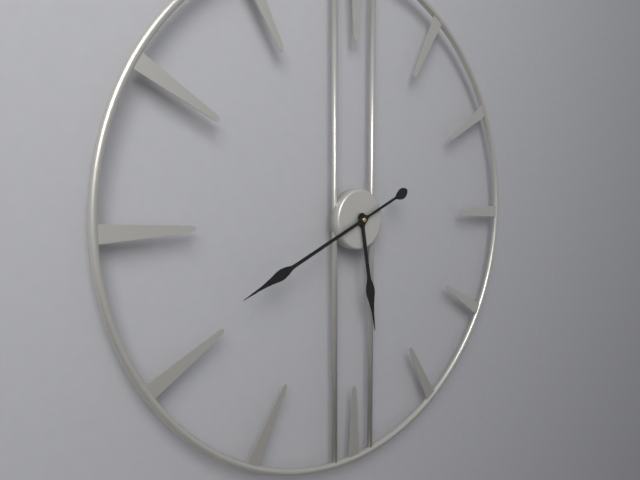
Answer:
5h41
